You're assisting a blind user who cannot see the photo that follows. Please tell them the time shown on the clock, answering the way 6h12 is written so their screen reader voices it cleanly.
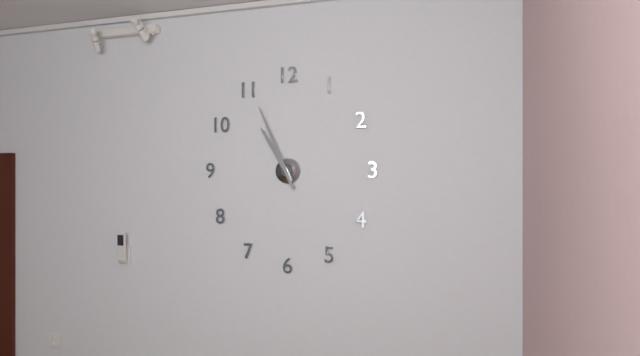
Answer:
10h56
